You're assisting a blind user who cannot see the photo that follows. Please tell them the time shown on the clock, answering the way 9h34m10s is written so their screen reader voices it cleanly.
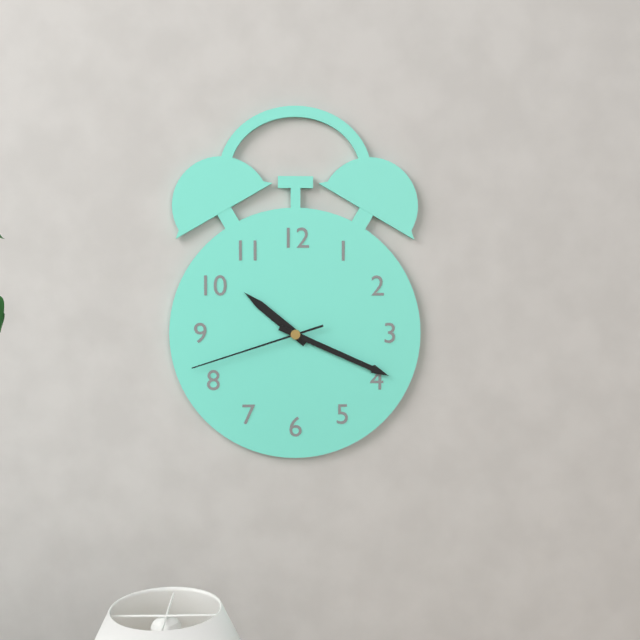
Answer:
10h19m42s
